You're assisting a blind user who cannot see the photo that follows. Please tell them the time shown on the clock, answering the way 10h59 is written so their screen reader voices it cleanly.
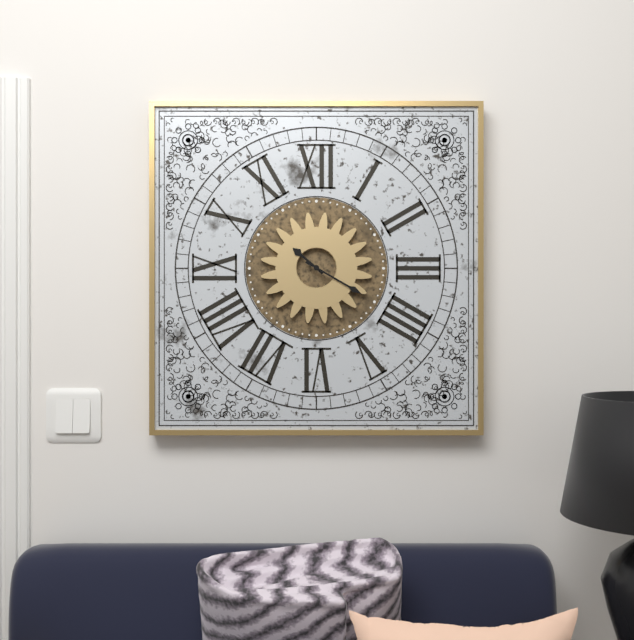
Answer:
10h20
